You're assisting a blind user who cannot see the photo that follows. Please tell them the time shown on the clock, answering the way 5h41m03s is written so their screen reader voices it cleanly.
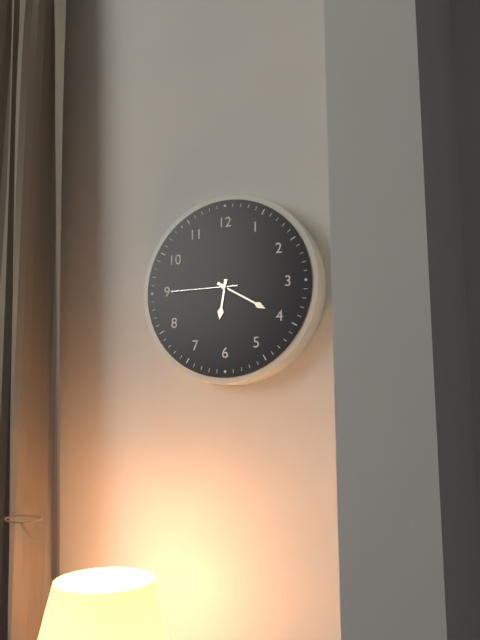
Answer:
6h20m45s
